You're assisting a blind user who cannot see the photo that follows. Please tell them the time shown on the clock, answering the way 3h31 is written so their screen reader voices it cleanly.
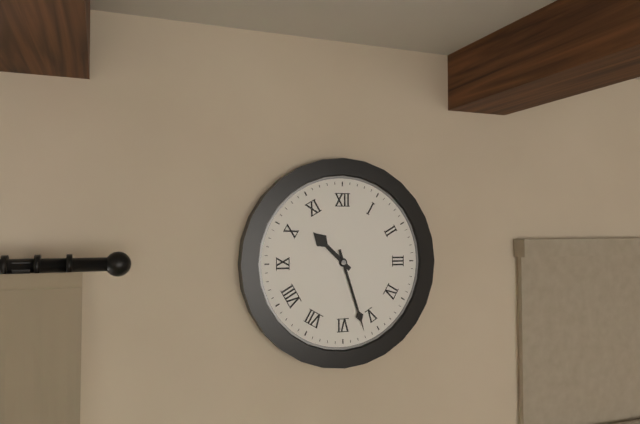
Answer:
10h27
